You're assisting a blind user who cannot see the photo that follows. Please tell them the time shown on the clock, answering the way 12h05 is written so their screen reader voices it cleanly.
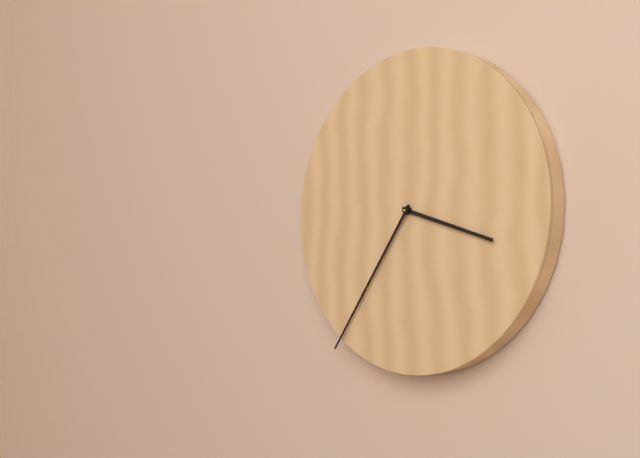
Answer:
3h36
